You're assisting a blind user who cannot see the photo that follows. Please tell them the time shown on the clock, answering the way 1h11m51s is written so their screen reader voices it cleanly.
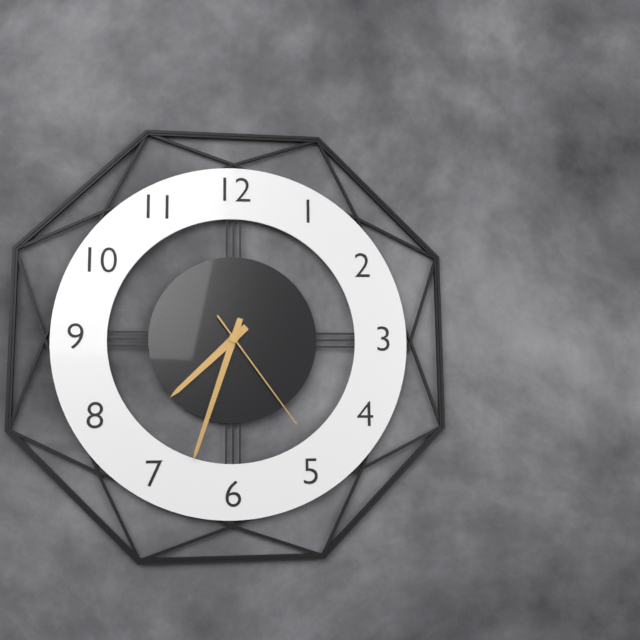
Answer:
7h33m24s
